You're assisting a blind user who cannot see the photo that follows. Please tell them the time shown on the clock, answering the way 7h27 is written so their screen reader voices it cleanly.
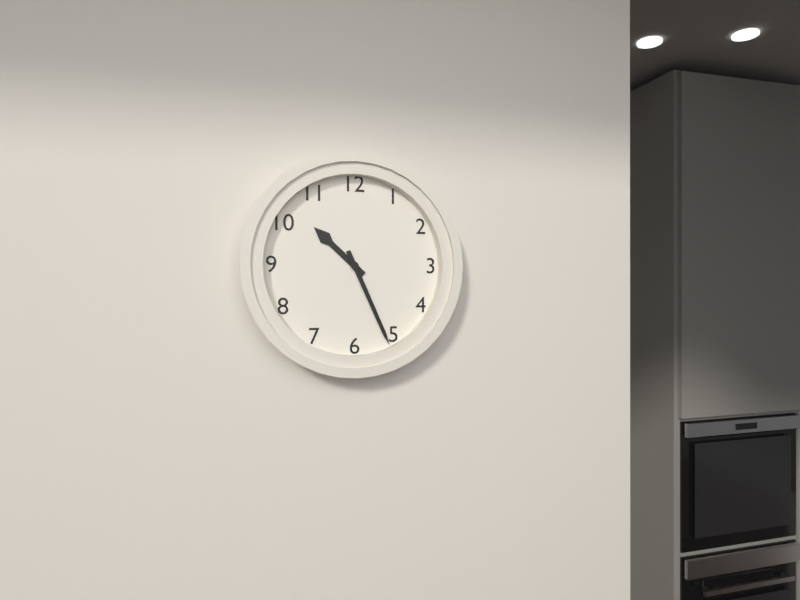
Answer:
10h26
